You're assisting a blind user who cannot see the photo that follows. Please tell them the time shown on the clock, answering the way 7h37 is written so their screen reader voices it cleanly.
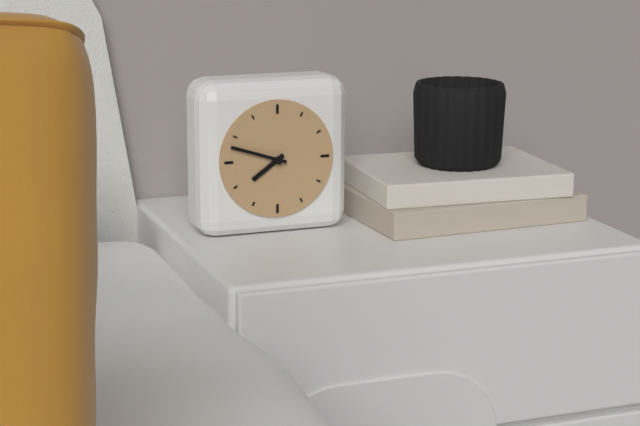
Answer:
7h48
